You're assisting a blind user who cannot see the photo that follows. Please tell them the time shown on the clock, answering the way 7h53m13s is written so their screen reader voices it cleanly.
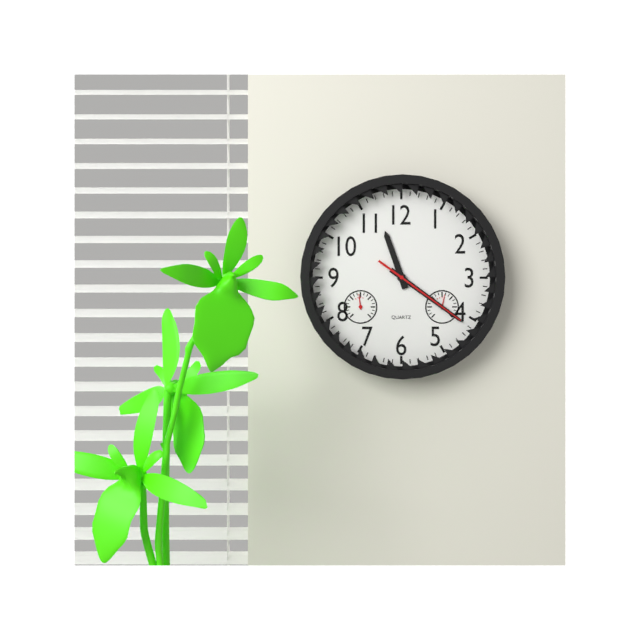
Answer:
11h21m21s
